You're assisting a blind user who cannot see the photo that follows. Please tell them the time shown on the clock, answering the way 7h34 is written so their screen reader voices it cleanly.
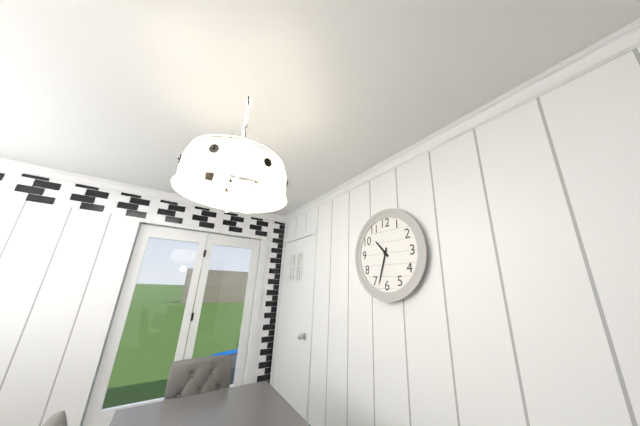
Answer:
10h33
